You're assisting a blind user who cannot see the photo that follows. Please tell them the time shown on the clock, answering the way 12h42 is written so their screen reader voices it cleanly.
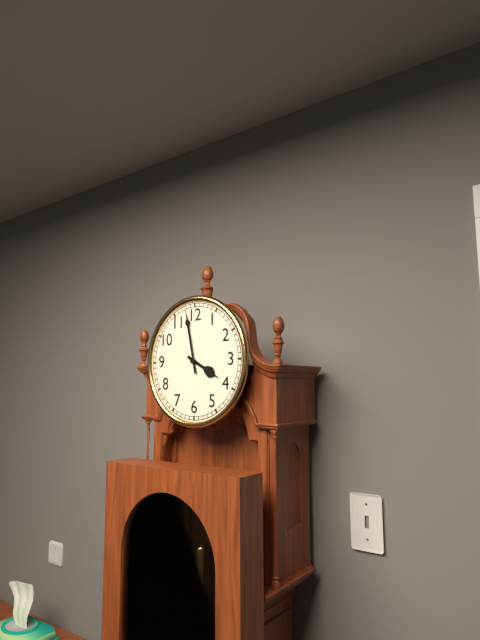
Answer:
3h58
